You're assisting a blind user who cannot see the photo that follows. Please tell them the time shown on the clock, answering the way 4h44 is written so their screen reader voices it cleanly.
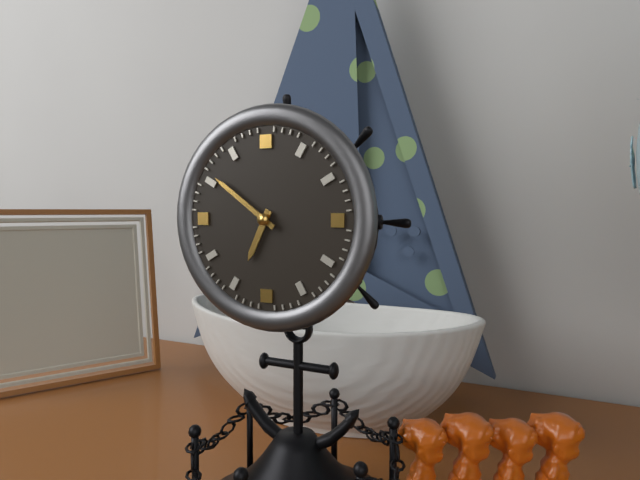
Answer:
6h51
